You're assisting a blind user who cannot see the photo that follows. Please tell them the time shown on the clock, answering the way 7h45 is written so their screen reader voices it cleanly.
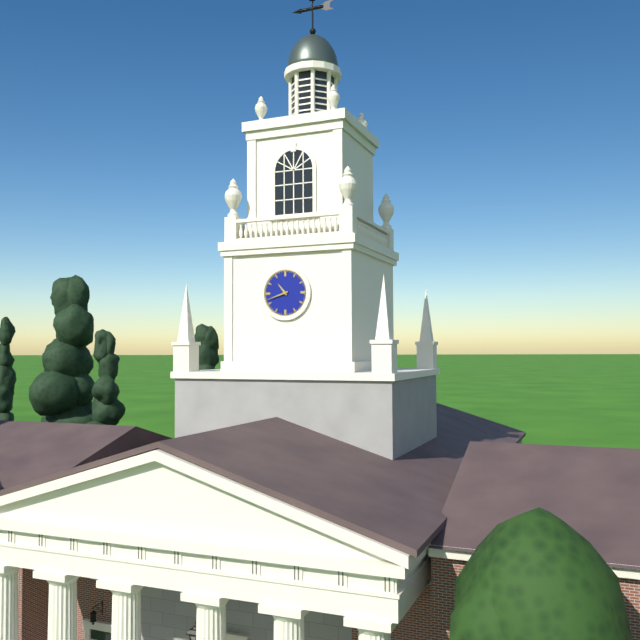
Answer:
10h42
